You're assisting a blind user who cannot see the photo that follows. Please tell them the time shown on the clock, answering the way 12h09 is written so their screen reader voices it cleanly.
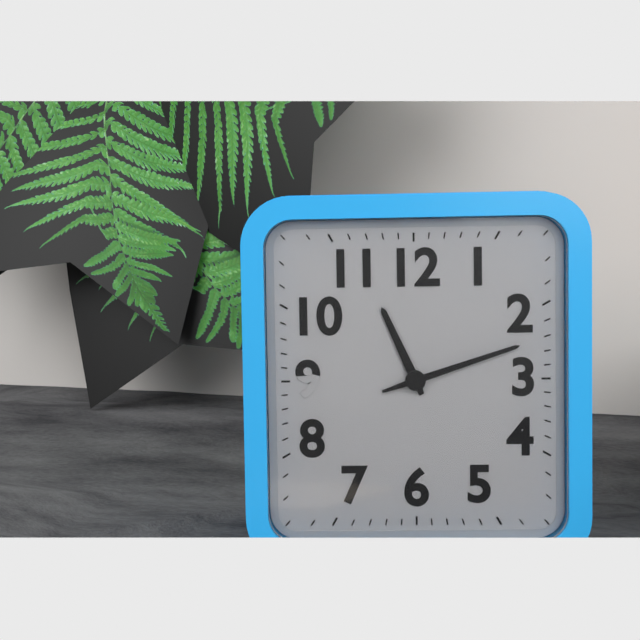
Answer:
11h12
